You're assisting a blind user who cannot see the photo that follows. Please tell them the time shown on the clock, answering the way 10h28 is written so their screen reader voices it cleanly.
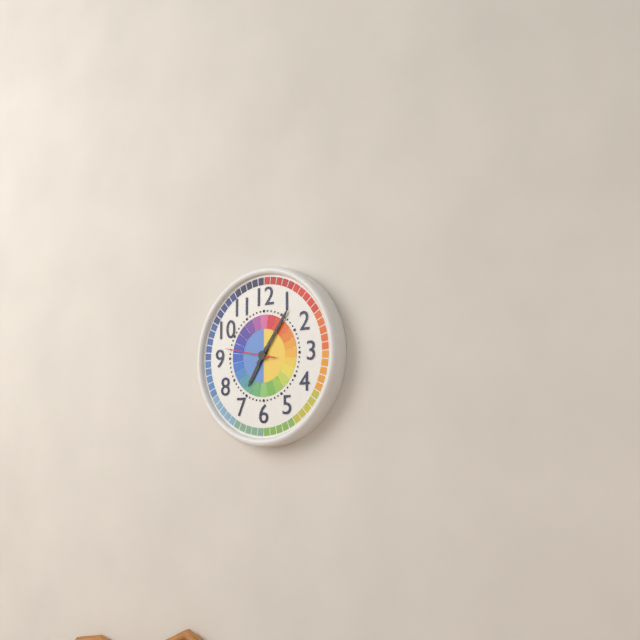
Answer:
7h06
